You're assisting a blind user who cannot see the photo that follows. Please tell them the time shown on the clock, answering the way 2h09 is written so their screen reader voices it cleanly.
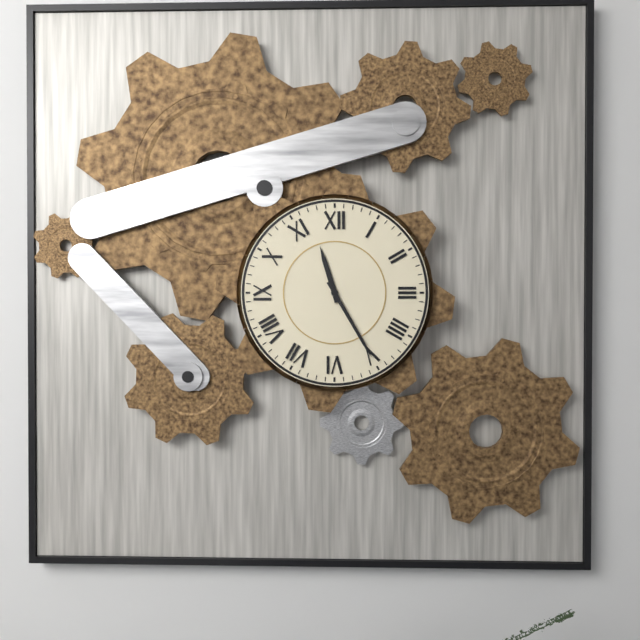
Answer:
11h25
